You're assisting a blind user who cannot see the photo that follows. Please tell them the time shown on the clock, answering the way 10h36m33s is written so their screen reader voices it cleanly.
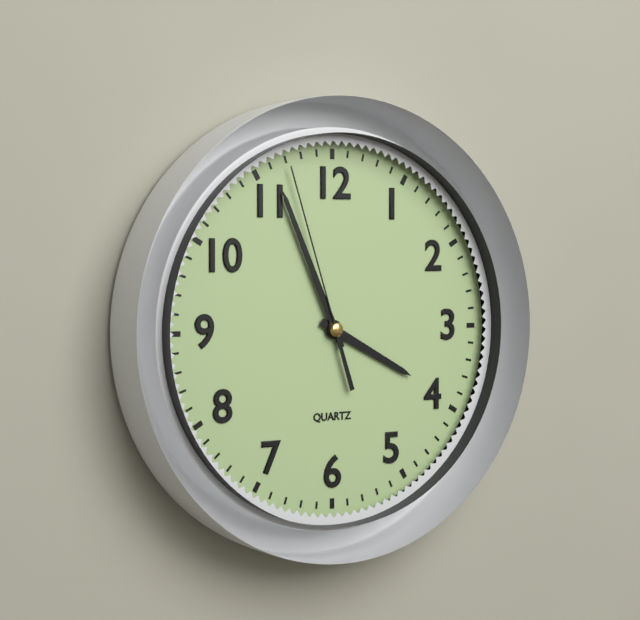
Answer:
3h56m57s
